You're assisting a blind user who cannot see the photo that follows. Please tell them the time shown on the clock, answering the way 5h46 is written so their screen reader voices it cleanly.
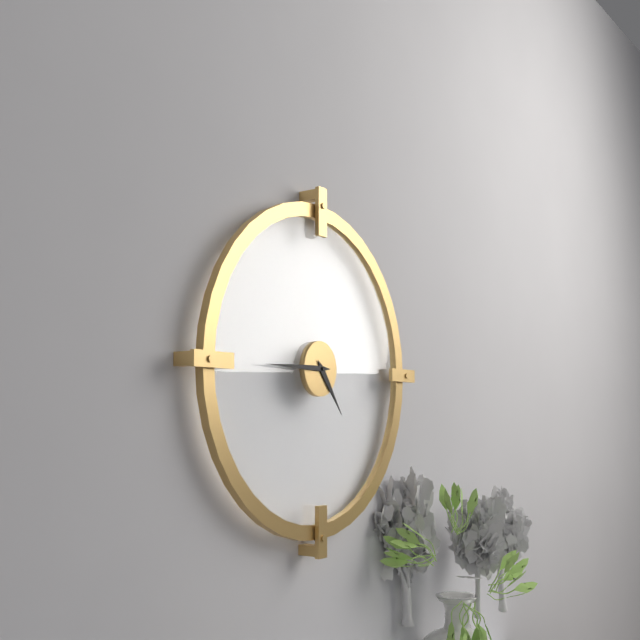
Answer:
4h45
